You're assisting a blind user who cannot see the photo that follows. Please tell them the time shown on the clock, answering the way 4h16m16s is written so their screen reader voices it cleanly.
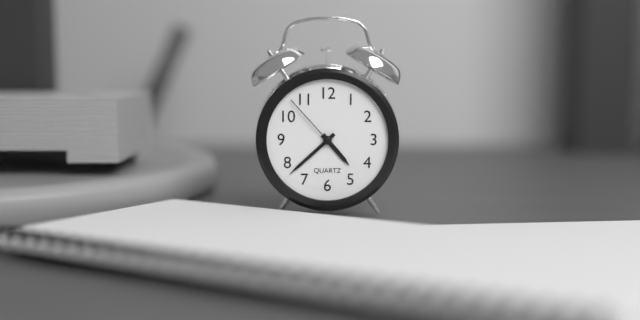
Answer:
4h38m53s
